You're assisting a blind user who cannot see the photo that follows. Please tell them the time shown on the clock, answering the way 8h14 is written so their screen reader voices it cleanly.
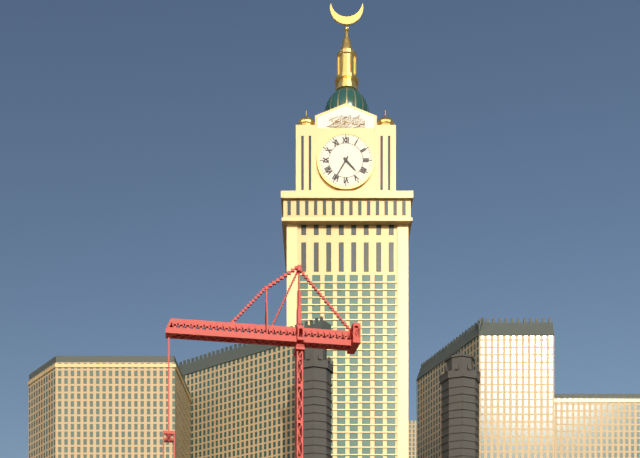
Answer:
4h35
